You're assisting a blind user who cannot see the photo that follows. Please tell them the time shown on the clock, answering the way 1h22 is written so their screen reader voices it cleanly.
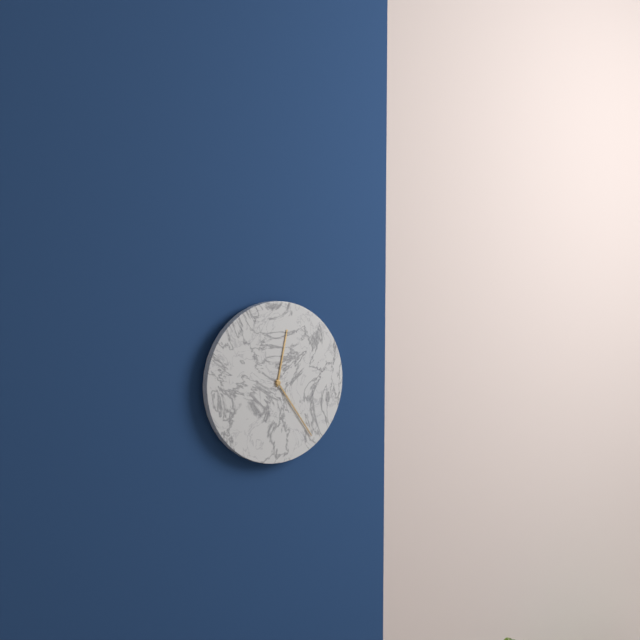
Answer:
12h24
